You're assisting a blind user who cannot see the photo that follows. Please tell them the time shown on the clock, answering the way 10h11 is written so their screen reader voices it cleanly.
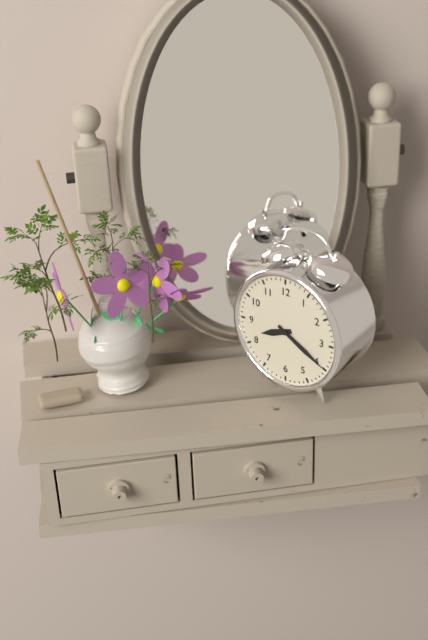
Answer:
8h20
